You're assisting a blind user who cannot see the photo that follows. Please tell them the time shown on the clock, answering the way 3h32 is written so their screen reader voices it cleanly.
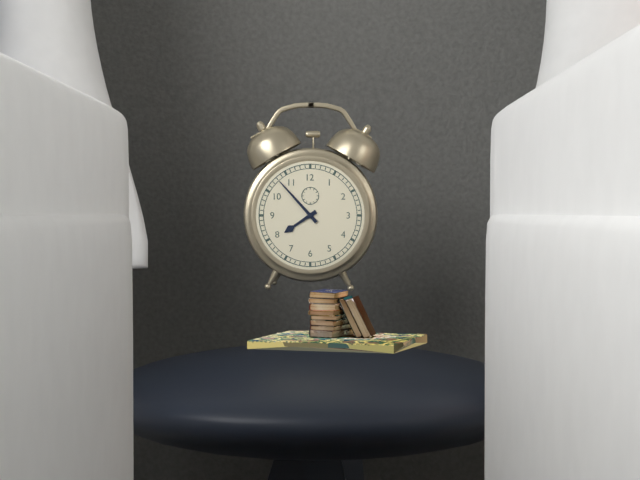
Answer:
7h53
